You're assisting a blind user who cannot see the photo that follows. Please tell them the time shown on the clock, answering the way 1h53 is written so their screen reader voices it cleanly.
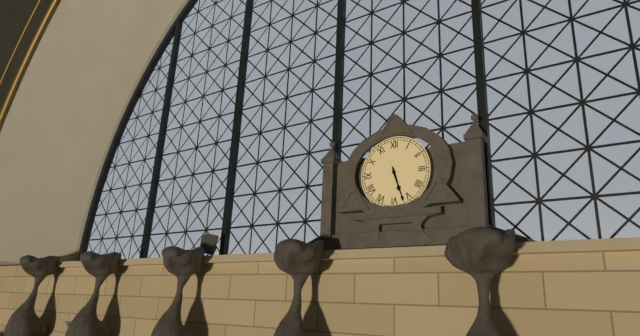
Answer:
5h27
